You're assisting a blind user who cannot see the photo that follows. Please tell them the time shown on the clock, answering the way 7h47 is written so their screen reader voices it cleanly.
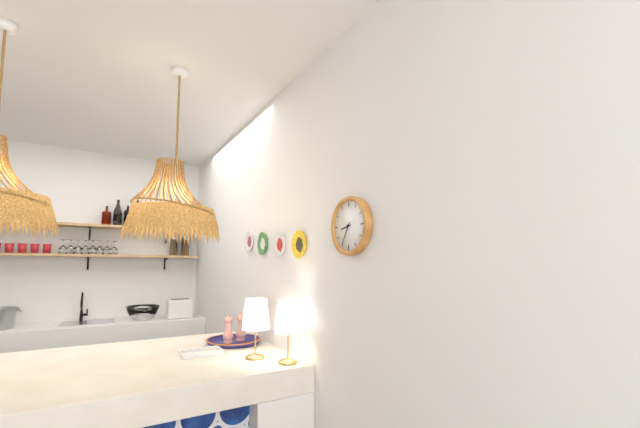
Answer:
8h35
